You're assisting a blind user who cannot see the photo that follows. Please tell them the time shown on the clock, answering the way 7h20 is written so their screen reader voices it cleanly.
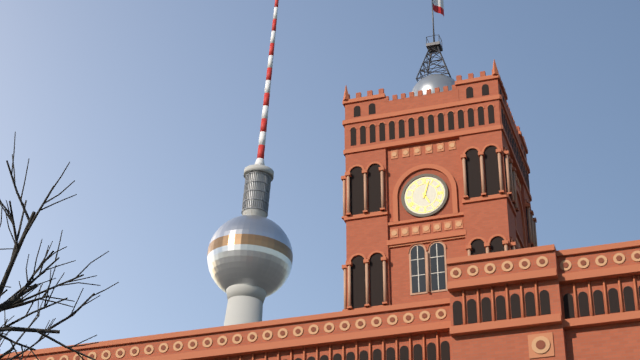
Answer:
5h03
